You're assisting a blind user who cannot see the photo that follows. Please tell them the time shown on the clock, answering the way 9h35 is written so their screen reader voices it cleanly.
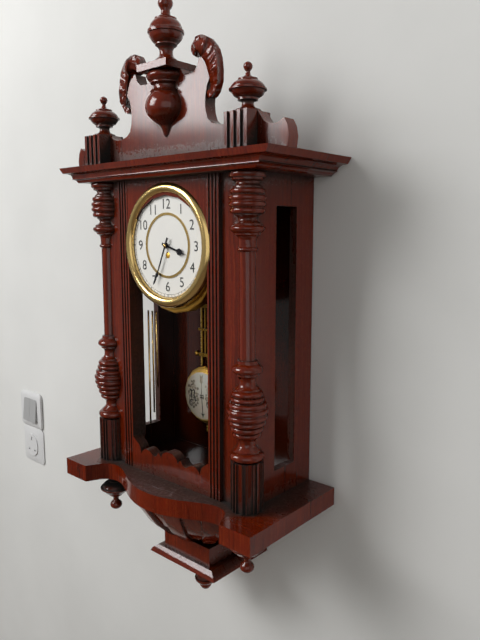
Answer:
3h34
